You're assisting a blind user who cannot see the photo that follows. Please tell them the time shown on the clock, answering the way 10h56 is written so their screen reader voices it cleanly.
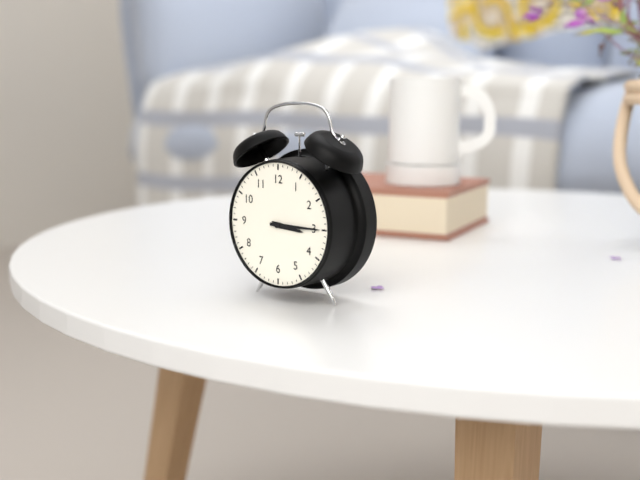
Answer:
3h15
